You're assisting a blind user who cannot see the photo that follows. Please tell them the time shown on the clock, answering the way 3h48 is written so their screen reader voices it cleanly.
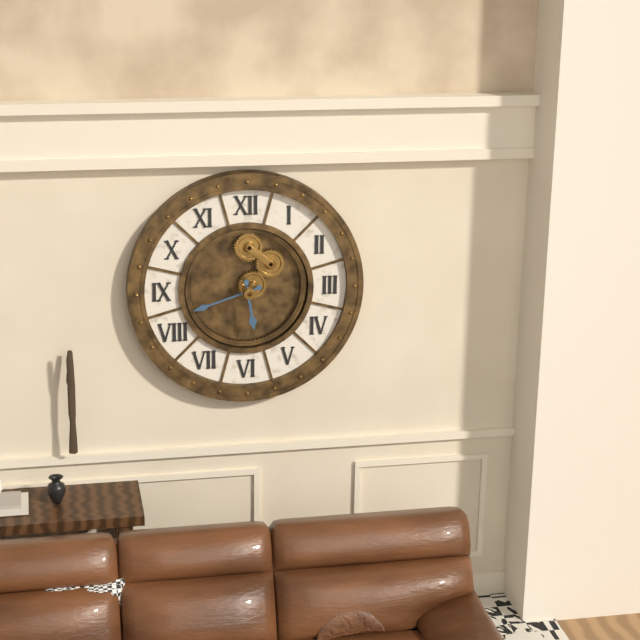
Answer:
5h42
